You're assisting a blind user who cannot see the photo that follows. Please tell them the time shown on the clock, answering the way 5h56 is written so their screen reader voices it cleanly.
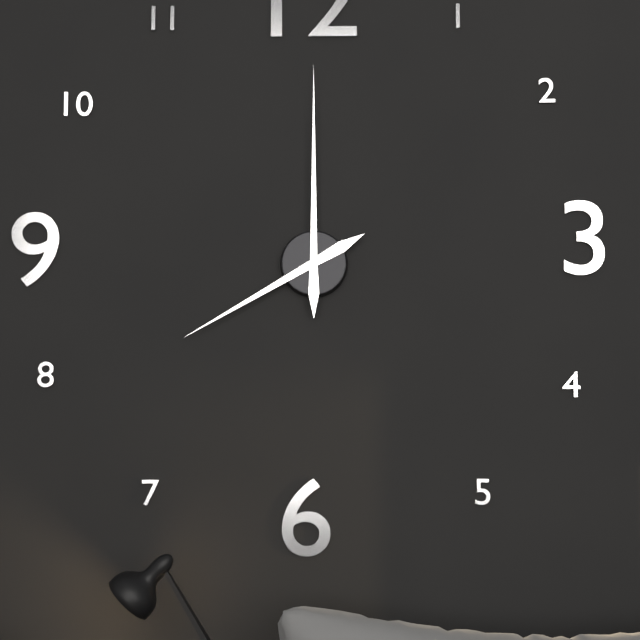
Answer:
8h00
